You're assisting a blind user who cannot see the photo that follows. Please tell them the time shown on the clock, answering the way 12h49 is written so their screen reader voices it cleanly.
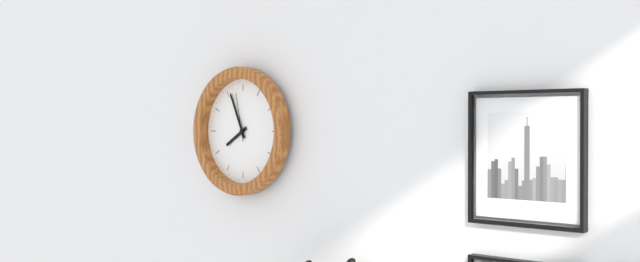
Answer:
7h56
